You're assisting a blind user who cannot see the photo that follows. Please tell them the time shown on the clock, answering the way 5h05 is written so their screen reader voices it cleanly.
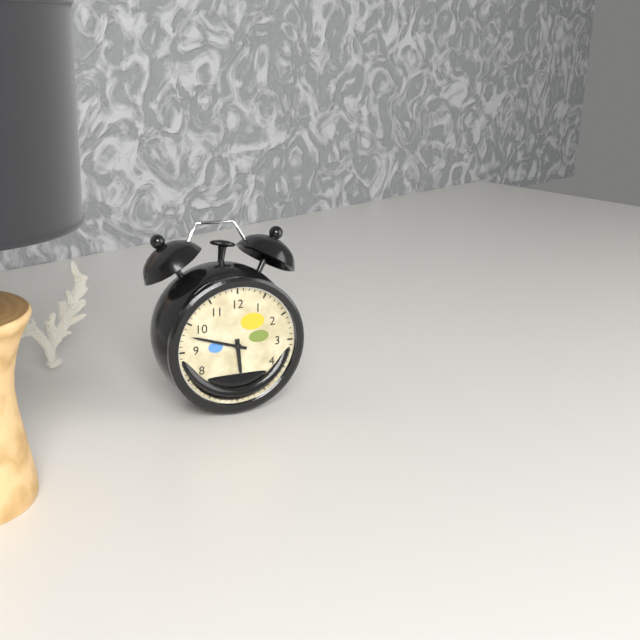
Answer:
5h48
